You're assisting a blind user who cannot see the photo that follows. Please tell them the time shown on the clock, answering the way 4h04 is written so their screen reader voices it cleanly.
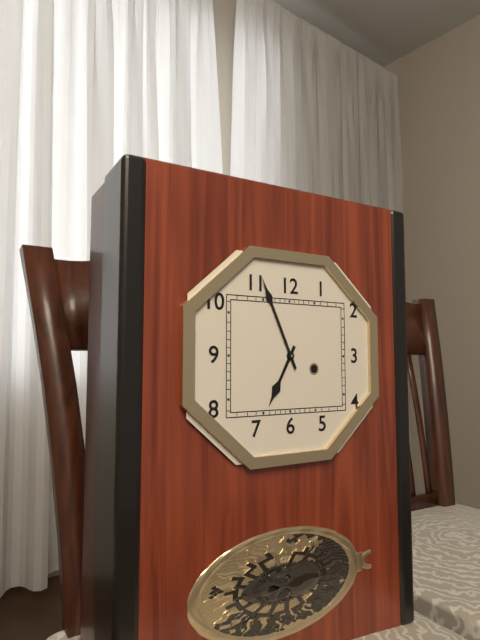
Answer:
6h56
